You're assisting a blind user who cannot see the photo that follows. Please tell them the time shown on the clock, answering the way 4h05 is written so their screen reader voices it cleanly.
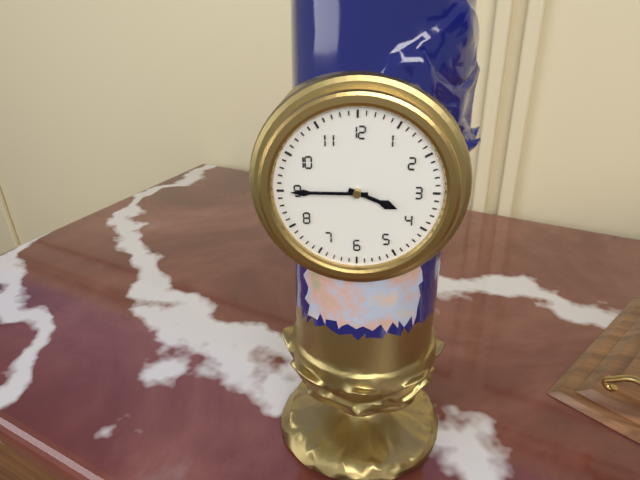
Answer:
3h45
